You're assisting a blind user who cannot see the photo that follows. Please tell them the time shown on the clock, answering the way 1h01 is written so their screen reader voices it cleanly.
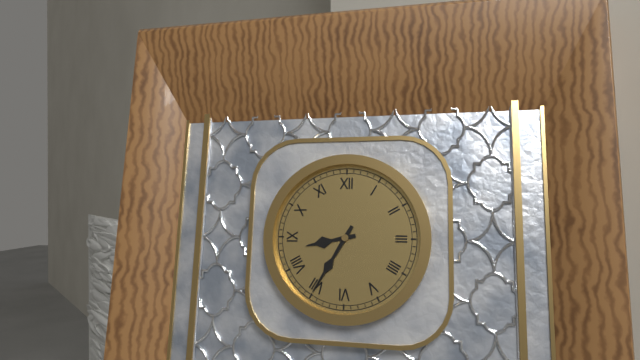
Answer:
8h35
